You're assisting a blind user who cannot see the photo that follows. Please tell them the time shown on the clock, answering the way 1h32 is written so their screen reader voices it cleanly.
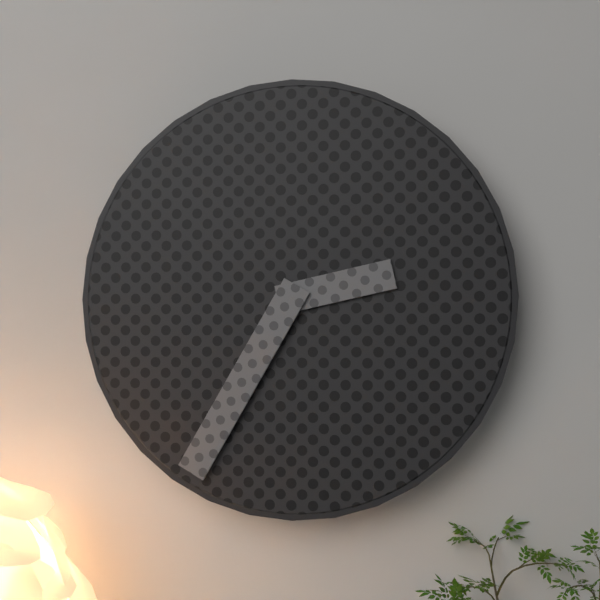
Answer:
2h35
